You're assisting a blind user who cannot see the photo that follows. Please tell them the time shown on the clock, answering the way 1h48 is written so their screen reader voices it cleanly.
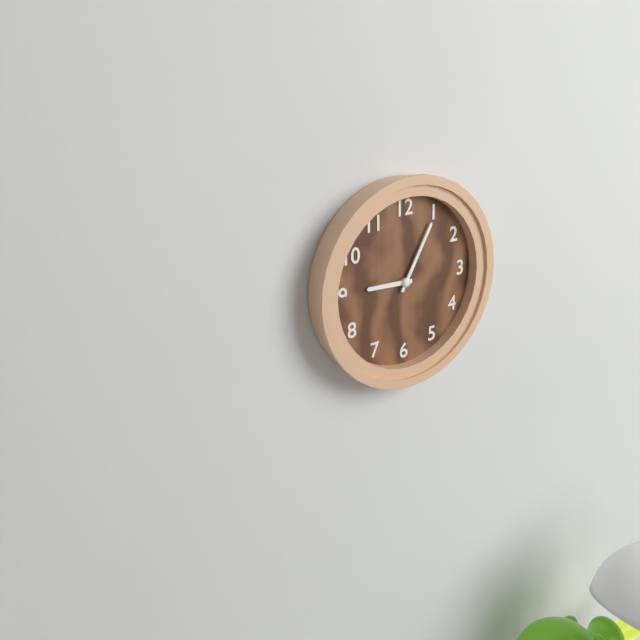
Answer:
9h05
